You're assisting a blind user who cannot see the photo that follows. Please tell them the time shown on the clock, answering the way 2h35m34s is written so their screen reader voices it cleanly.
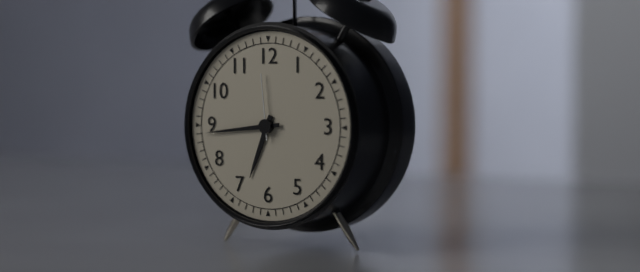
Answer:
6h44m59s
